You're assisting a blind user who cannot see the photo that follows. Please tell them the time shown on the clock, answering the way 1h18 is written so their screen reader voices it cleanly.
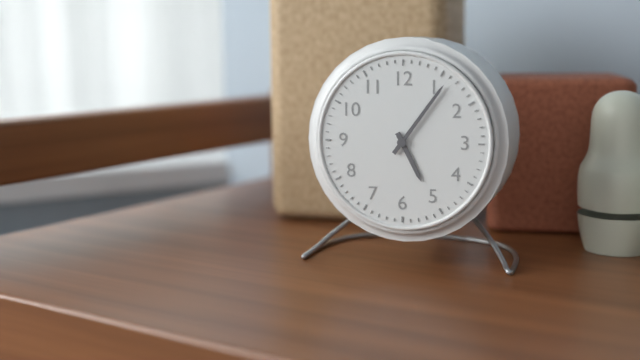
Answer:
5h06
